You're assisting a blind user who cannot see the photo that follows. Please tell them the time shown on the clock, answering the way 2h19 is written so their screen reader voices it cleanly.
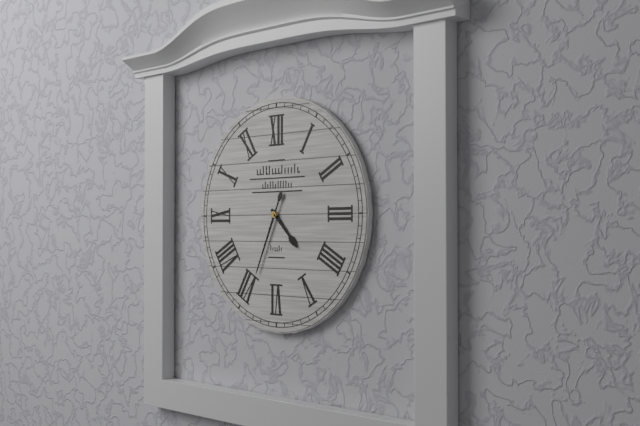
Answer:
4h34
